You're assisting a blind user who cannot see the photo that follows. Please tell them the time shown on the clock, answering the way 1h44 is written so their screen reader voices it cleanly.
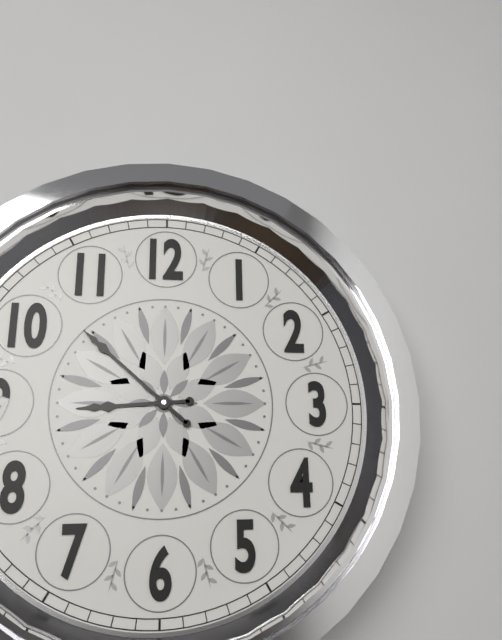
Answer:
8h52
